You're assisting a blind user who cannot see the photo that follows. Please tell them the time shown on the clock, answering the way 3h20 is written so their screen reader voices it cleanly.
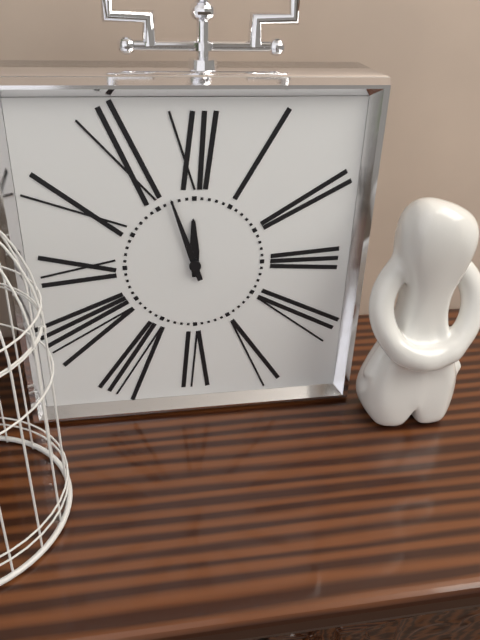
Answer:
11h57
